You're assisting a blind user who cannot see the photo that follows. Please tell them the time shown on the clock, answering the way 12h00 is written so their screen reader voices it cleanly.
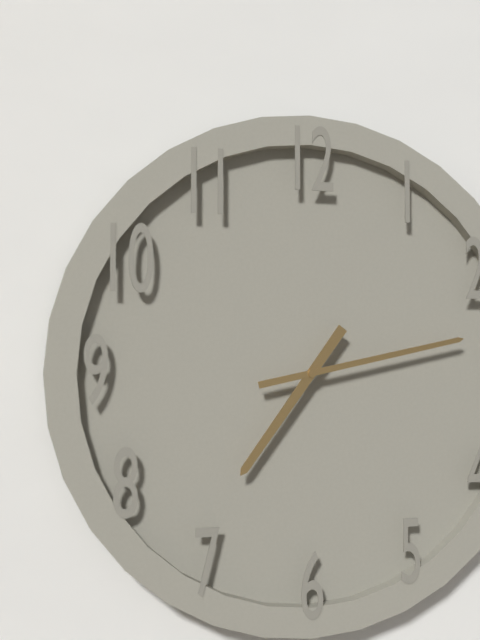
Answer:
7h13
